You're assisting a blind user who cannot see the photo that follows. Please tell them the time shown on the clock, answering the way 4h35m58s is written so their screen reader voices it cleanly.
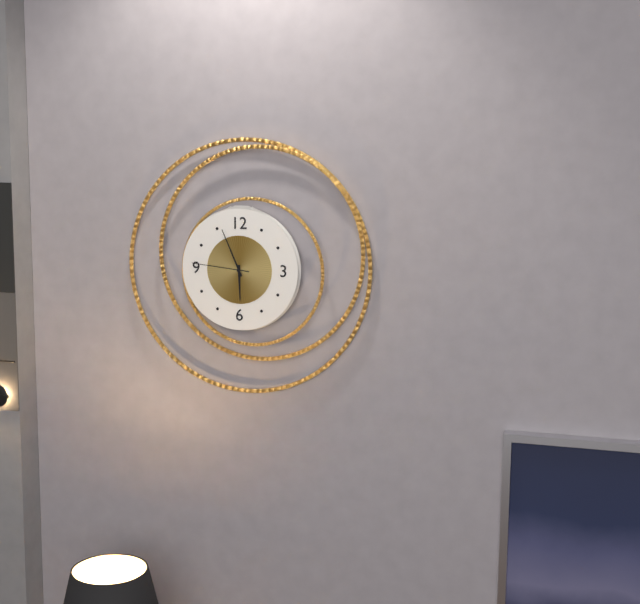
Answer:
5h56m46s
